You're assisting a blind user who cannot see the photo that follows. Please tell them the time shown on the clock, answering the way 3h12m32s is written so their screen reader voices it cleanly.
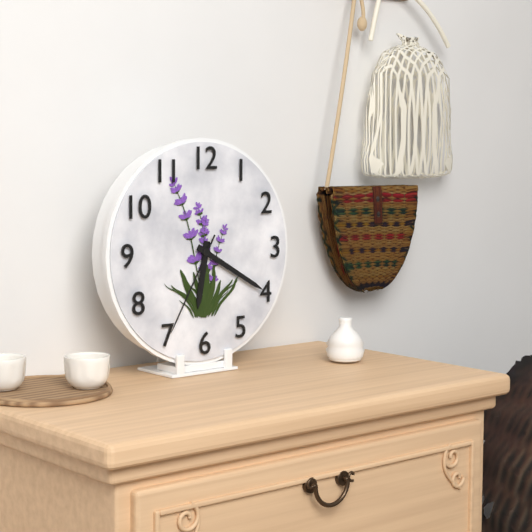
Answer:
6h20m35s
